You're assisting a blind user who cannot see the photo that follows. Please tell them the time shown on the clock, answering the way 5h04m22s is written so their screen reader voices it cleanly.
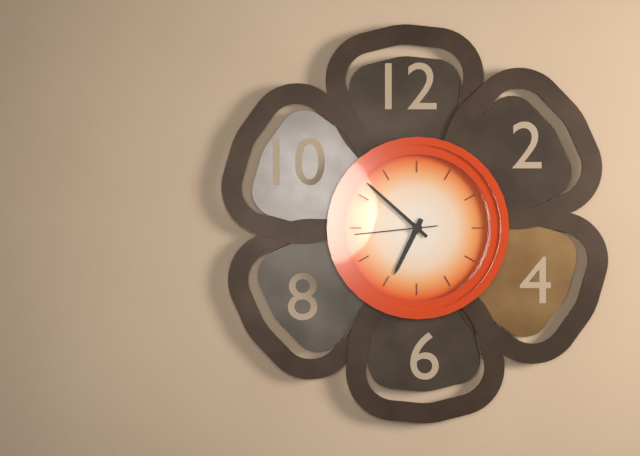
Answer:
6h52m44s
